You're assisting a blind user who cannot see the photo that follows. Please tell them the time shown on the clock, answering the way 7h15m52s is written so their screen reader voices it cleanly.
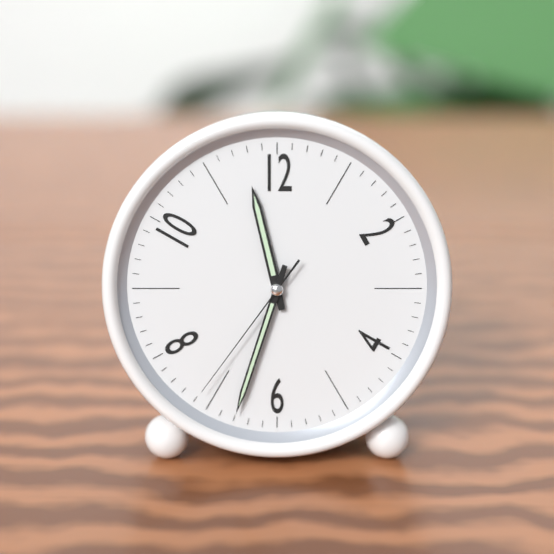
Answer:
11h33m36s
